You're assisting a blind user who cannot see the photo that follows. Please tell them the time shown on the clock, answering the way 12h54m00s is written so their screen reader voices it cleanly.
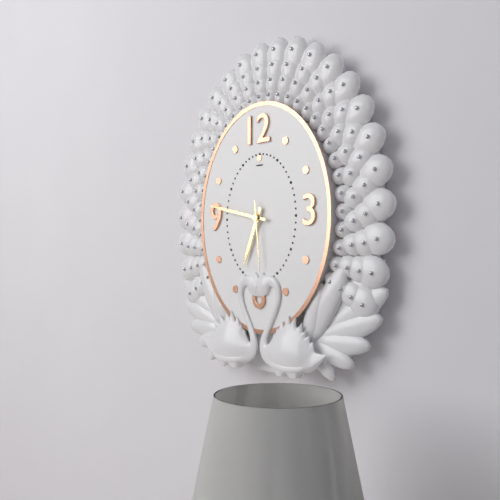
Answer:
6h47m29s
